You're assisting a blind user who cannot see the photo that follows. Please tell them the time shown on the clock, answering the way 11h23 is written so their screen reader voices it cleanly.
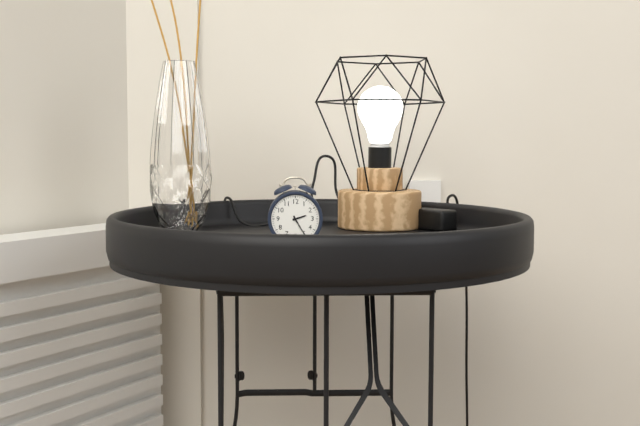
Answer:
2h25
